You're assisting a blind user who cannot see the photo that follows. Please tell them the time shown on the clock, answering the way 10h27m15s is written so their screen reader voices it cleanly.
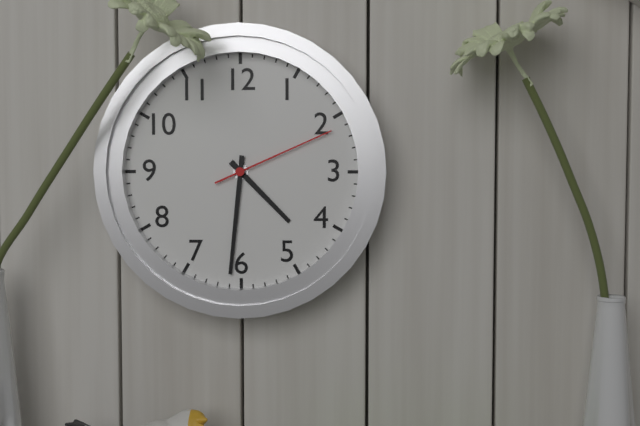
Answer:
4h31m11s
